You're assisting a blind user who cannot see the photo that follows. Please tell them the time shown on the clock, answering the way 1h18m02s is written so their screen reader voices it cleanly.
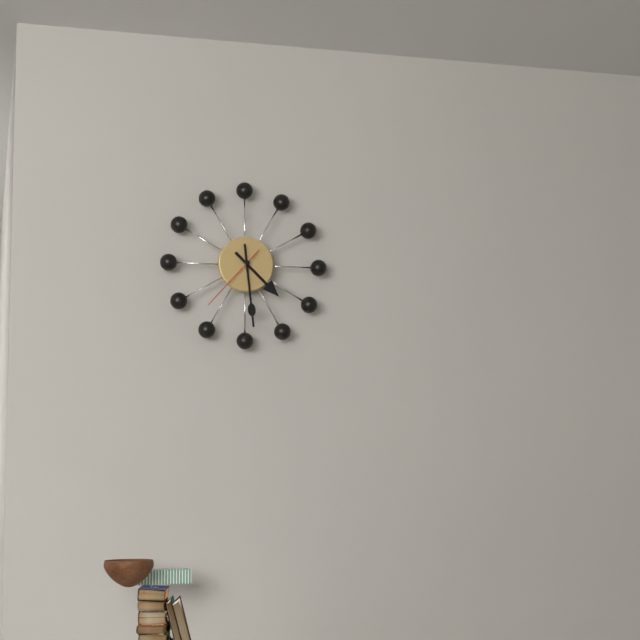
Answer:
4h29m37s
